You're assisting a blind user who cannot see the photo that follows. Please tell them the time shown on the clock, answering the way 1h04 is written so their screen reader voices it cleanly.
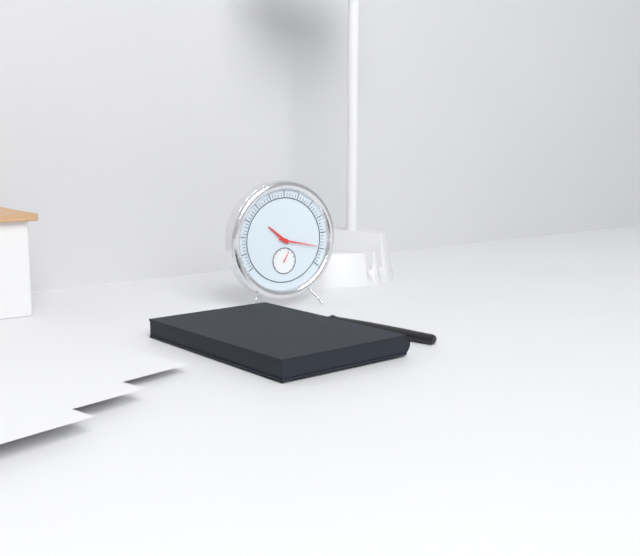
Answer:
10h17
